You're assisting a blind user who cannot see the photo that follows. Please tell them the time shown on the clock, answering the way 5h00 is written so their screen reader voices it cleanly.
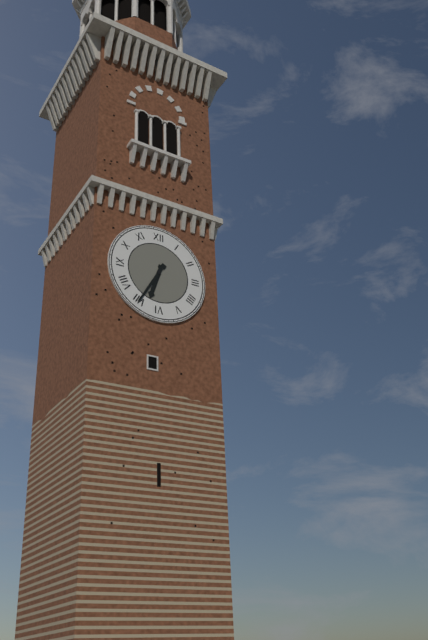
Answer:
6h35
